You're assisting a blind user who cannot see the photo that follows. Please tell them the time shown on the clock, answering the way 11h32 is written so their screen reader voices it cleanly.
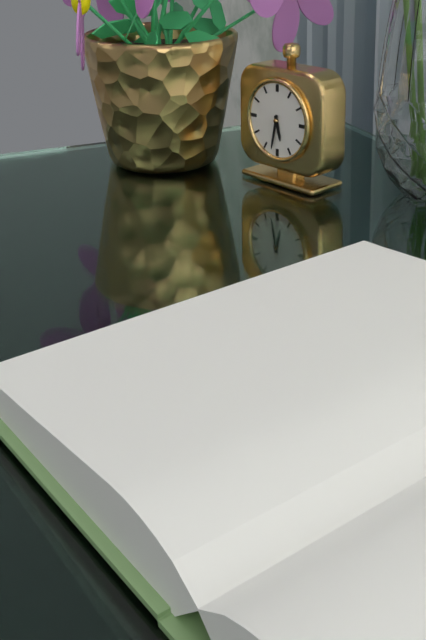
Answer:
5h32
